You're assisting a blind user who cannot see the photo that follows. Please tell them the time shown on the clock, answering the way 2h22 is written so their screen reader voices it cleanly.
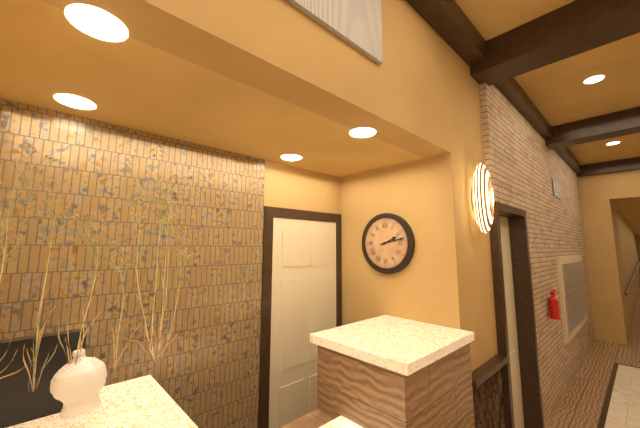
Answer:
2h13
